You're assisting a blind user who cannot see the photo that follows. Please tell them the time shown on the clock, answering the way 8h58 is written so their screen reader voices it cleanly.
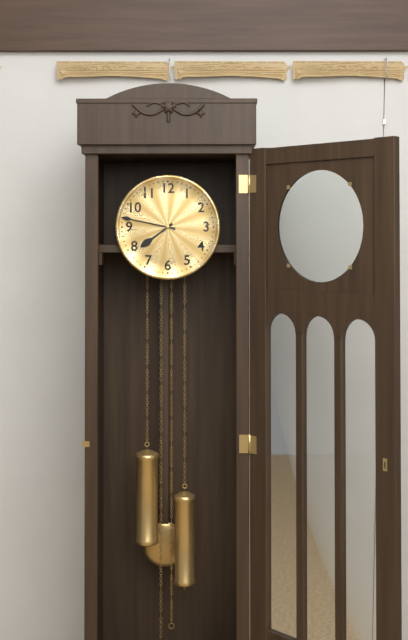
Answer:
7h47
